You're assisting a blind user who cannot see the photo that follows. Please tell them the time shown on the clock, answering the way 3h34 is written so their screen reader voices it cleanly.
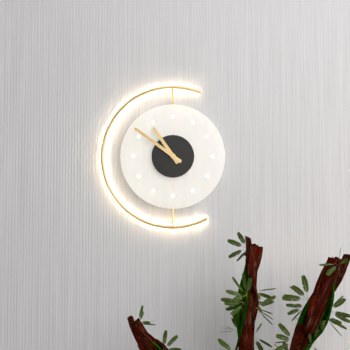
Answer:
10h51
